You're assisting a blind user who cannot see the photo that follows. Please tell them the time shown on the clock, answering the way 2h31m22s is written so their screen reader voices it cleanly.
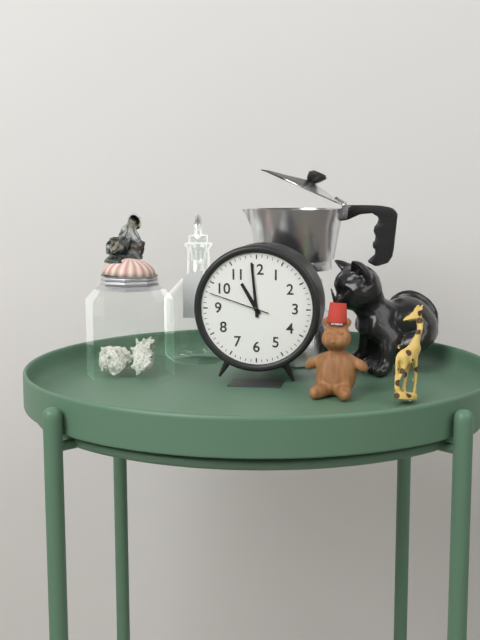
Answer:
10h59m48s
